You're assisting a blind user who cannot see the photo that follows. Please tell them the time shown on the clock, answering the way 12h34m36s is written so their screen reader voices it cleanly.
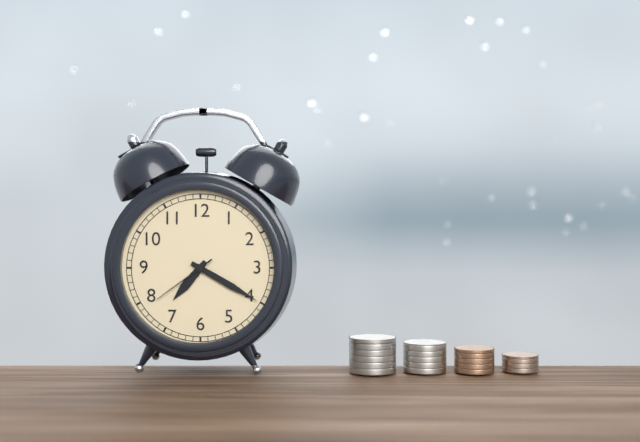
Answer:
7h20m39s
